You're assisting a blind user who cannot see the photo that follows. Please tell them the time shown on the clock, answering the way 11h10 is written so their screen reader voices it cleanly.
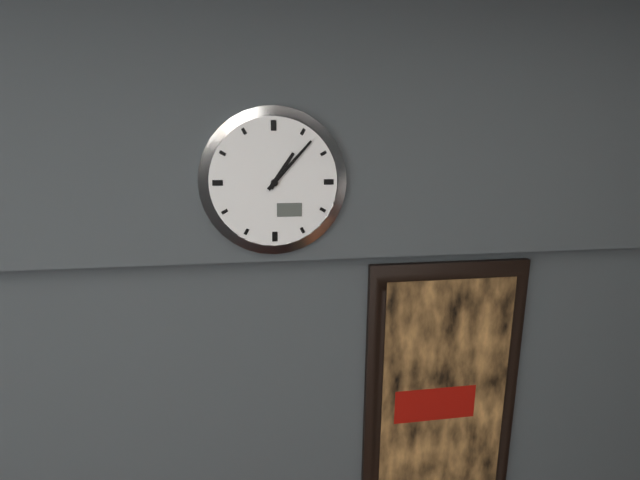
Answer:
1h07
